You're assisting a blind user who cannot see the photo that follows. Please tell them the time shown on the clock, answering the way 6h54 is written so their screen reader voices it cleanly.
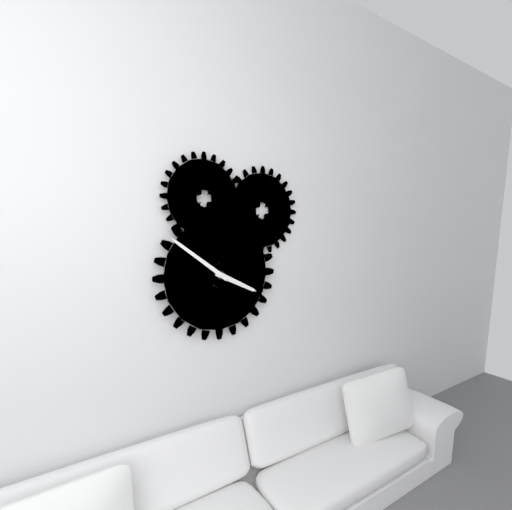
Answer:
3h51
